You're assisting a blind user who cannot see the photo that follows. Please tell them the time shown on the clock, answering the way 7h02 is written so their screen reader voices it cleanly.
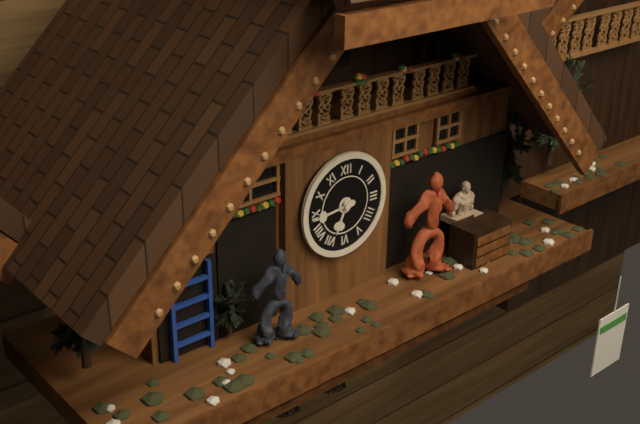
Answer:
6h44
